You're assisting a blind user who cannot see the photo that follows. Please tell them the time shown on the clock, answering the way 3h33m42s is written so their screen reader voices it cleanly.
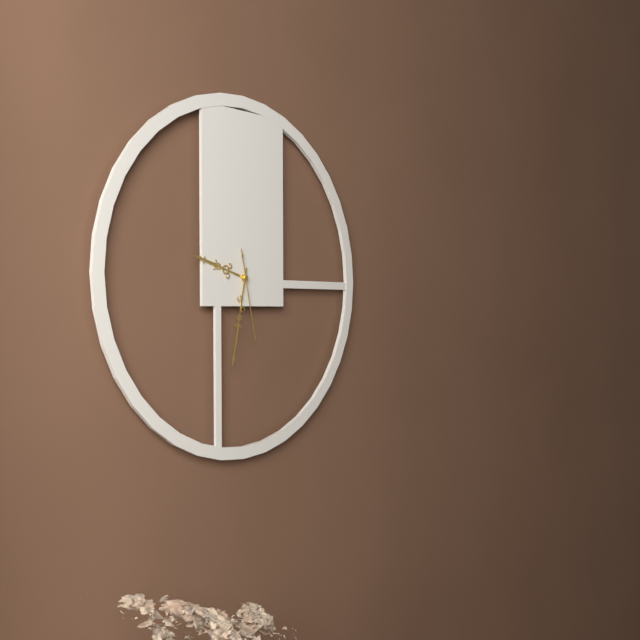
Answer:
9h32m28s
